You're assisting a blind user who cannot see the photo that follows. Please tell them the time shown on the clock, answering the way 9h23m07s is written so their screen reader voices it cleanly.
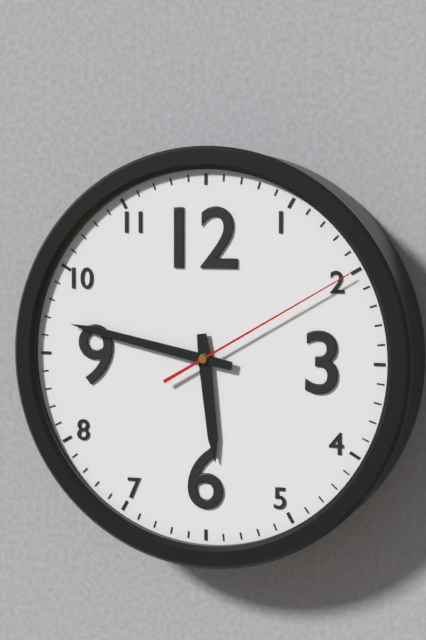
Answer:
5h47m10s
